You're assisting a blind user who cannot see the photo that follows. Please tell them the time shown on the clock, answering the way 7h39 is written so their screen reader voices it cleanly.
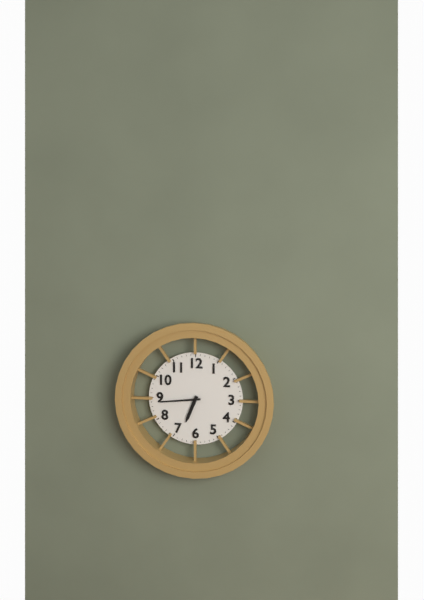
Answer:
6h44
